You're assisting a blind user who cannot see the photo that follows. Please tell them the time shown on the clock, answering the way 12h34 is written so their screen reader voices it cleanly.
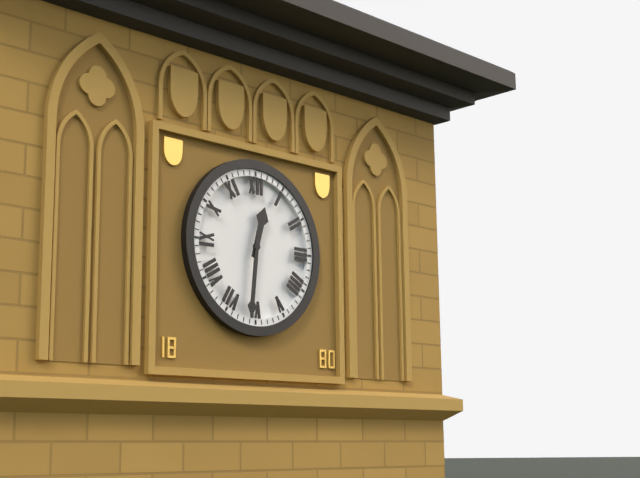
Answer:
12h31
